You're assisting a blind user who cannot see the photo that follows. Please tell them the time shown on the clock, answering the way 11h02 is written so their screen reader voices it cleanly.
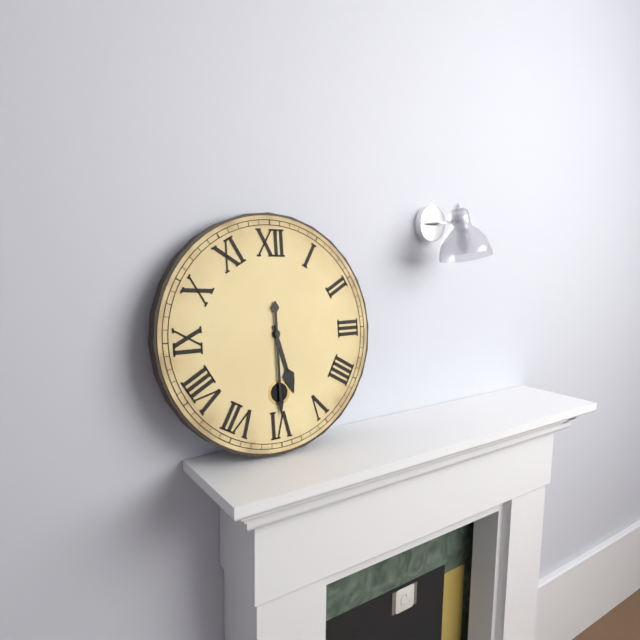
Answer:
5h30
